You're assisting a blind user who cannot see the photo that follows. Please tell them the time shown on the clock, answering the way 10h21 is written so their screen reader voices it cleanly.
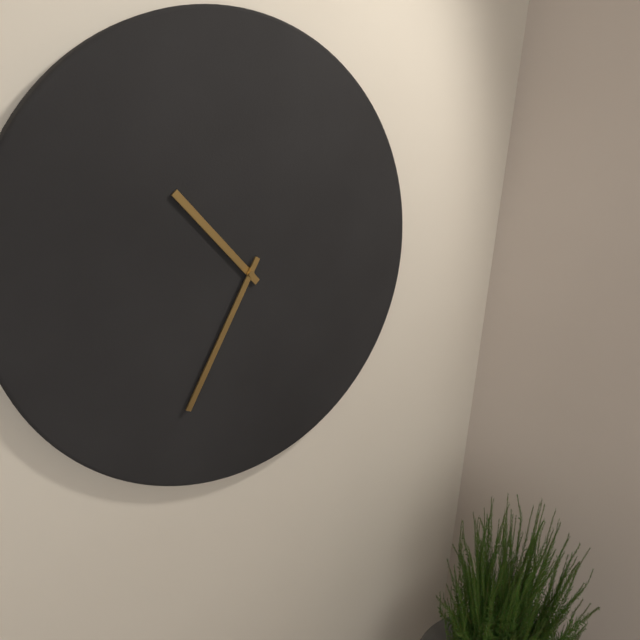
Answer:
10h35
